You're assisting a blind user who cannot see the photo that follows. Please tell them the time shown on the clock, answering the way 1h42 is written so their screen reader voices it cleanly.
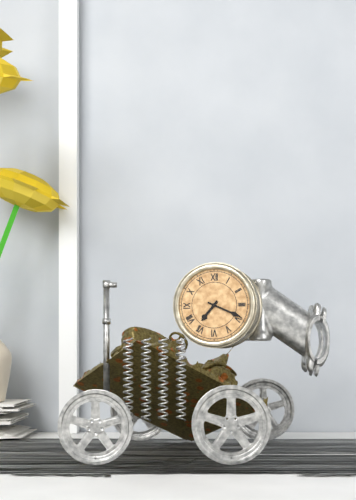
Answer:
7h19
